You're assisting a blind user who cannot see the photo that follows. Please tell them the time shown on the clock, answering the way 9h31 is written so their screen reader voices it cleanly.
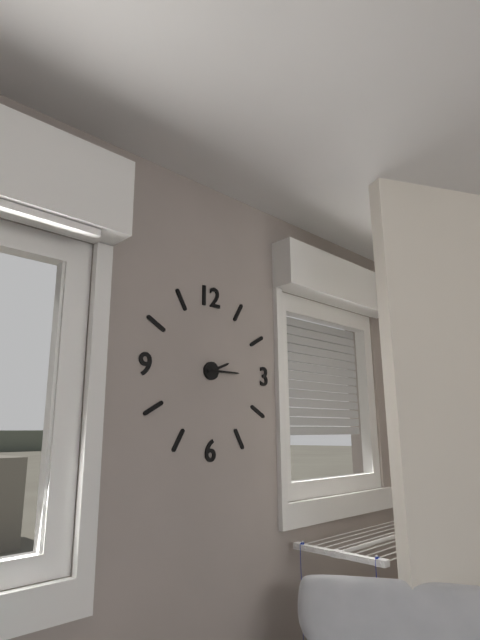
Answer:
2h15
